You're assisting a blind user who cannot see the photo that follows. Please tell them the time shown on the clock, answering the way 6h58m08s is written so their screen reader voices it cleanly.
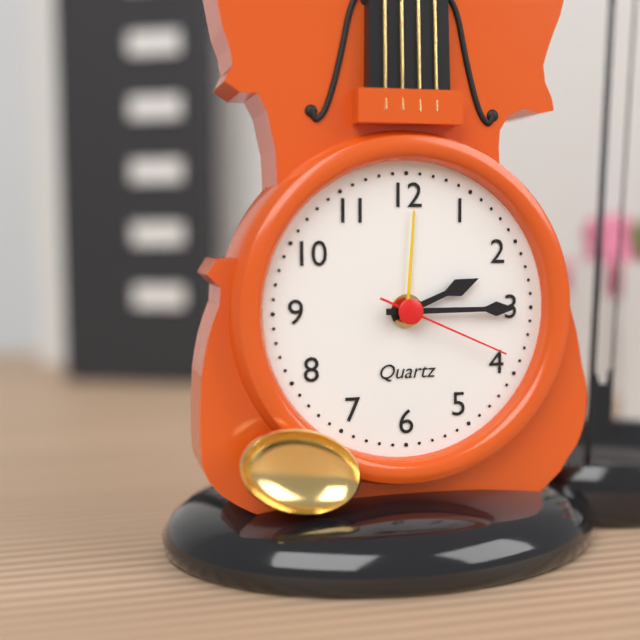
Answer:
2h15m19s
